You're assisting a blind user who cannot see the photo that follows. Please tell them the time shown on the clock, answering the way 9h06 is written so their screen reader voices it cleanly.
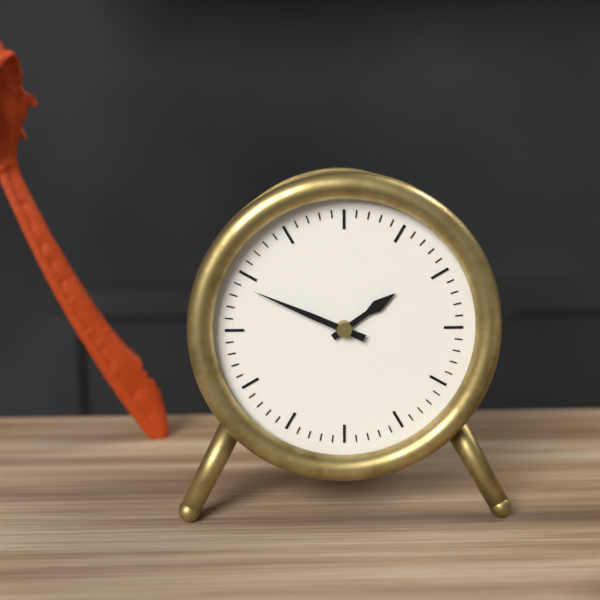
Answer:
1h49
